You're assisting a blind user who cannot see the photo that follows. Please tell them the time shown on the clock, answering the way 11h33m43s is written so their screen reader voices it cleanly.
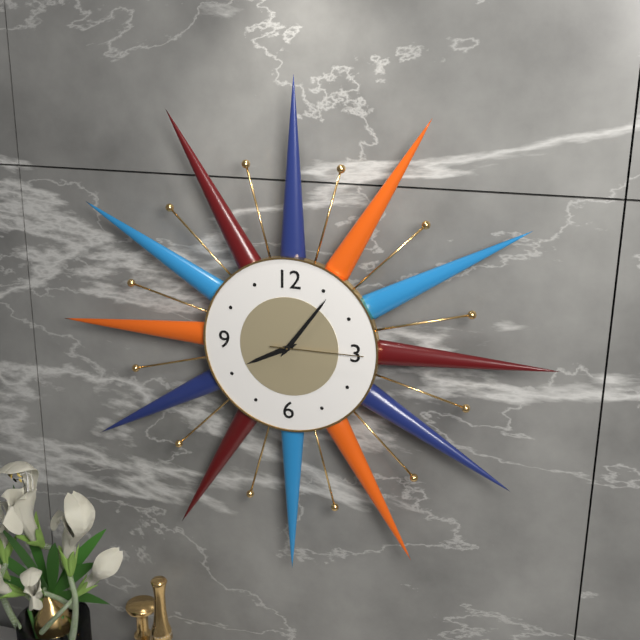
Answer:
8h06m15s
